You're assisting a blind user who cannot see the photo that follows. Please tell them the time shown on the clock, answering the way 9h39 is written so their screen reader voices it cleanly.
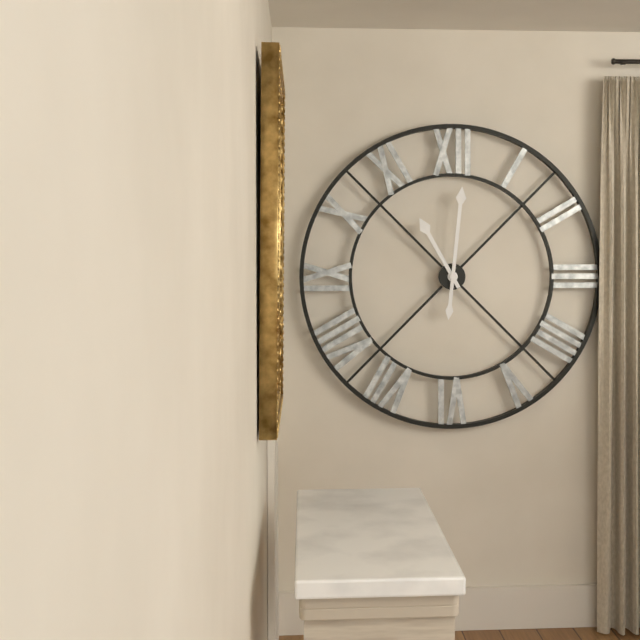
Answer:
11h01
